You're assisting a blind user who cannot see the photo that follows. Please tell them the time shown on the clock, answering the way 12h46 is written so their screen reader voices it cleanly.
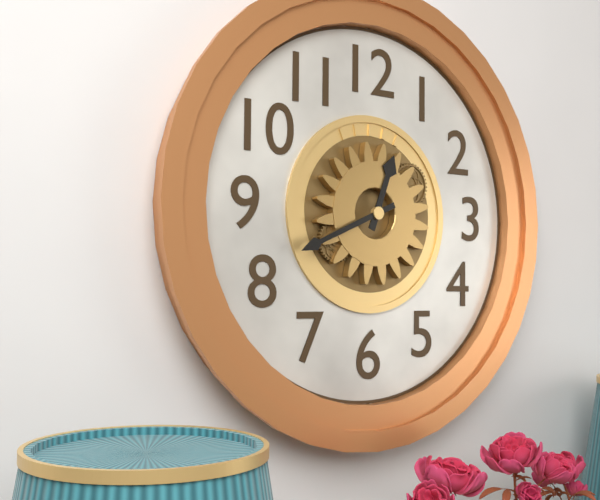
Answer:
12h41
